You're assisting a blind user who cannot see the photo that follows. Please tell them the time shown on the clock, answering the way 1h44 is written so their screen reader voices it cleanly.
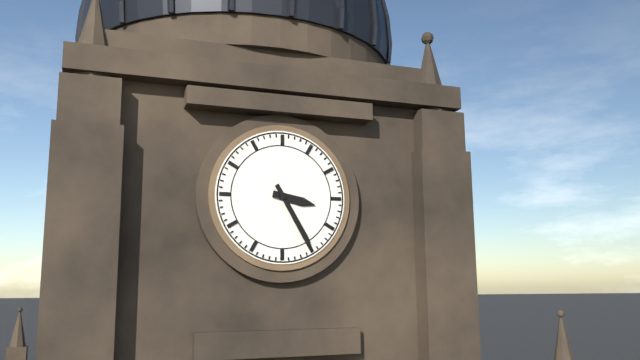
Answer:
3h25
